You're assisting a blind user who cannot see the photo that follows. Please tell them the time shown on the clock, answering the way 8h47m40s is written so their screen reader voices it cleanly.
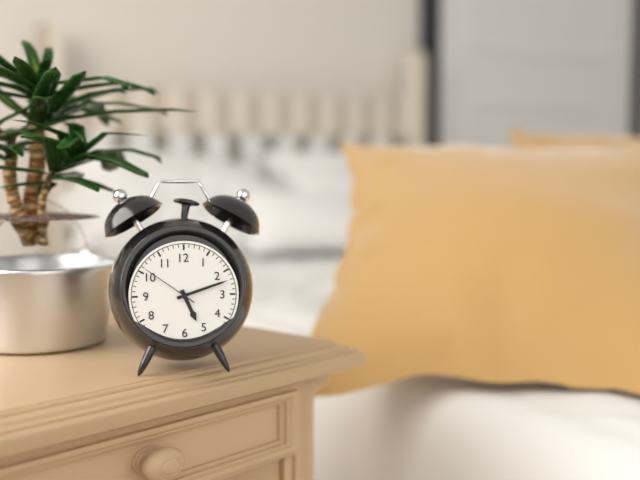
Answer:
5h12m51s
